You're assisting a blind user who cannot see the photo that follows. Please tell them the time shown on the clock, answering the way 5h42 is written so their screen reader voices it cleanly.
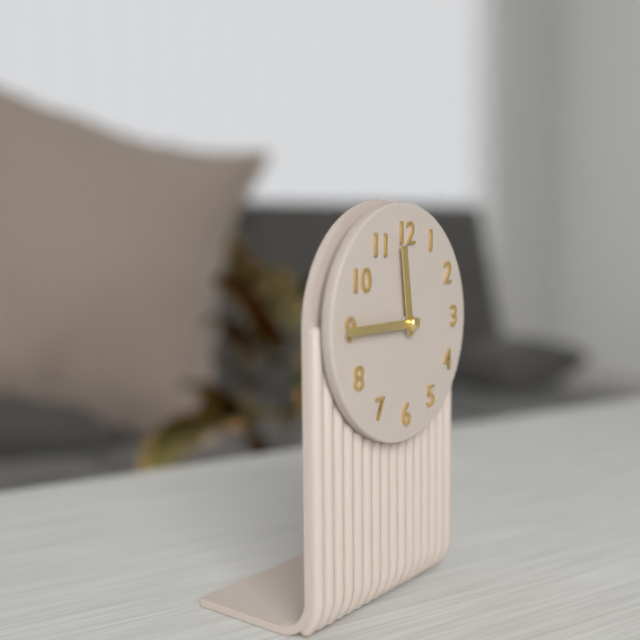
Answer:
11h45
